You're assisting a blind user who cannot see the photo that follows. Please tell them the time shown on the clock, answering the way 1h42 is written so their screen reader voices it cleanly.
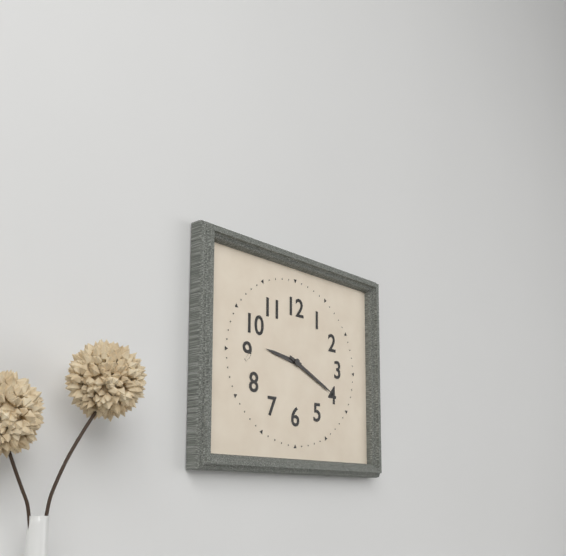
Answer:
9h19
